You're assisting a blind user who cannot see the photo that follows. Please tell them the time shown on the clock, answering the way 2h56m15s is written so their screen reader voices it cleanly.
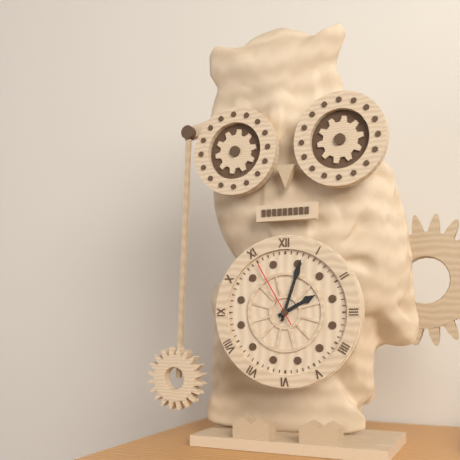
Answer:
2h03m55s
